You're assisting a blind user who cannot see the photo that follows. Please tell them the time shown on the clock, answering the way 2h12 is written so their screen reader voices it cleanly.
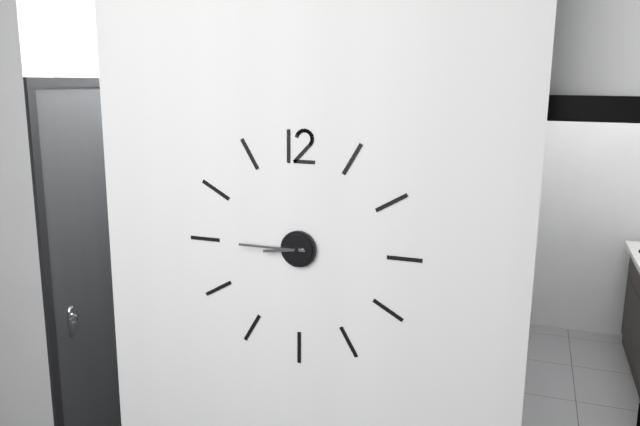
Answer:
8h45
